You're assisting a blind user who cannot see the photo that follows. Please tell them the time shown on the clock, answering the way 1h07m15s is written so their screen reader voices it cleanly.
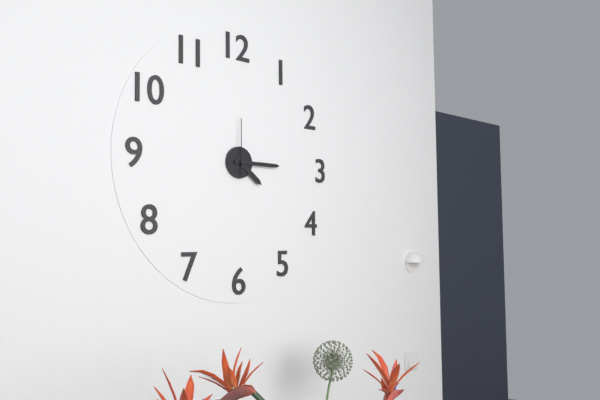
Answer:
4h15m00s
